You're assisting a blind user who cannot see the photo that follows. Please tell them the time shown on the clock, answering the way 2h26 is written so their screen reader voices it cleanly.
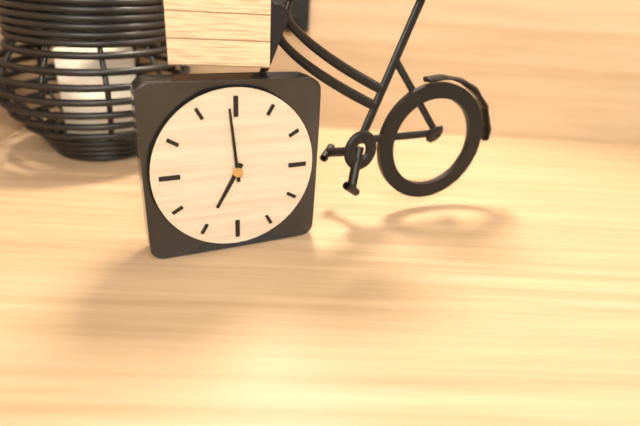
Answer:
6h59
